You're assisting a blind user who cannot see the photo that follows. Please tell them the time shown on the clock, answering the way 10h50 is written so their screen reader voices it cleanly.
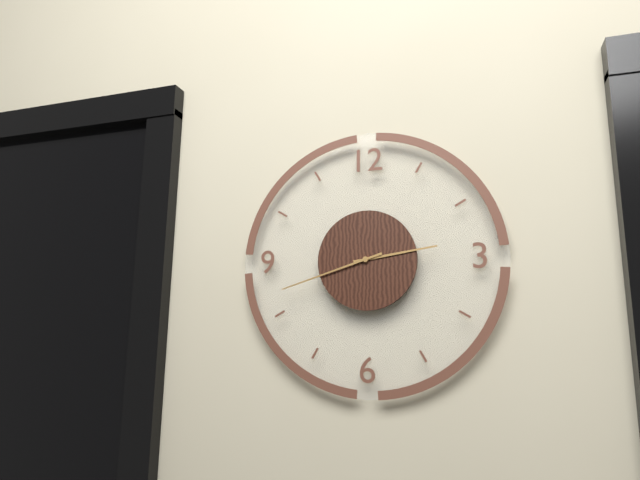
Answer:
2h42
